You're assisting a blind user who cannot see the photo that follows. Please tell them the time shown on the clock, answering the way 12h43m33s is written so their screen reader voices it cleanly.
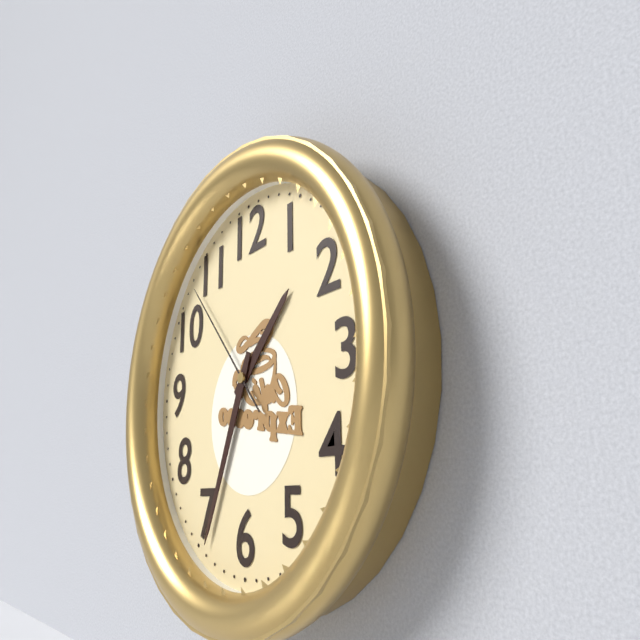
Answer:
1h34m53s
